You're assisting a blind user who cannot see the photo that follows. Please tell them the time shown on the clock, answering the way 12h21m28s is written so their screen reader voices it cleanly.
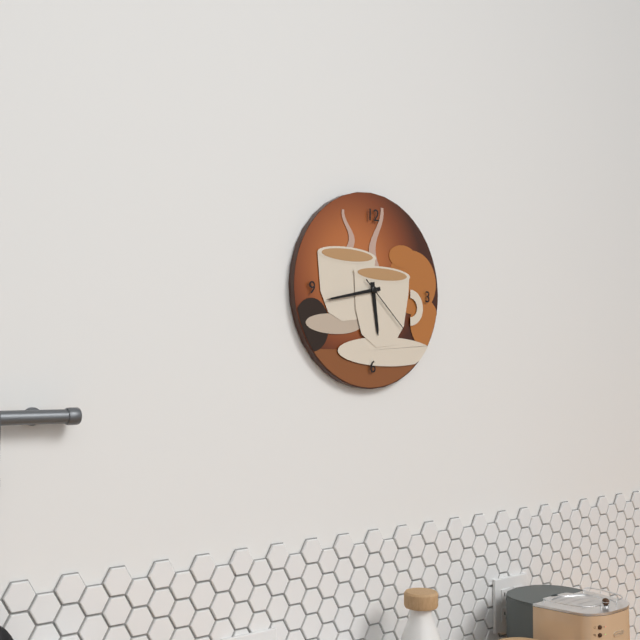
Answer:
5h43m22s
